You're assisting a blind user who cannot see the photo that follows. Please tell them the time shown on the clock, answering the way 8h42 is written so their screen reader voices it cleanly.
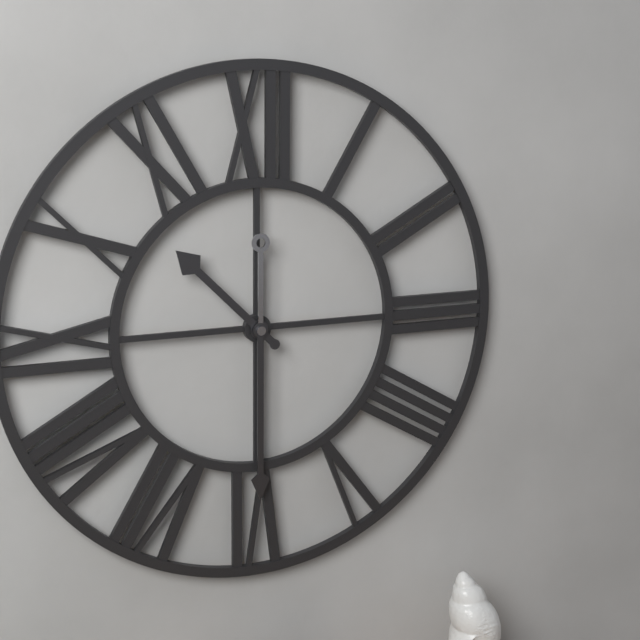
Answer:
10h30
